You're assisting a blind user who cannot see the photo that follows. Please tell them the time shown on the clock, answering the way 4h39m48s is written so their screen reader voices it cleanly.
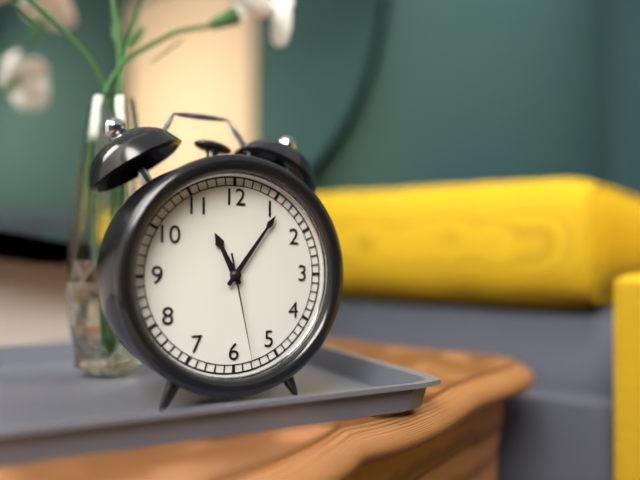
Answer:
11h06m28s
